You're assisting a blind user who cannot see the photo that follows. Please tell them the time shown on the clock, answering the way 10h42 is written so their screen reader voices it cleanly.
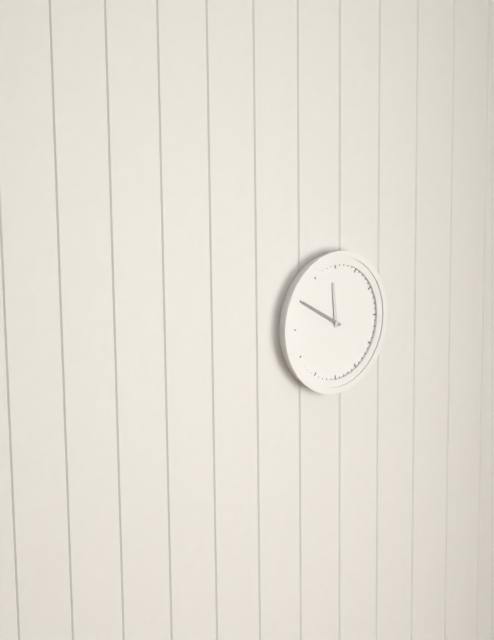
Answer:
11h50
